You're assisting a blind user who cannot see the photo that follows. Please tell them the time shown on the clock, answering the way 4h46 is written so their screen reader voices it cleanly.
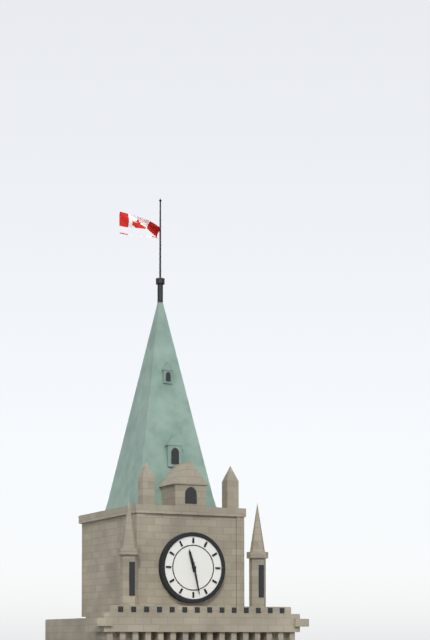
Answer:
11h28
